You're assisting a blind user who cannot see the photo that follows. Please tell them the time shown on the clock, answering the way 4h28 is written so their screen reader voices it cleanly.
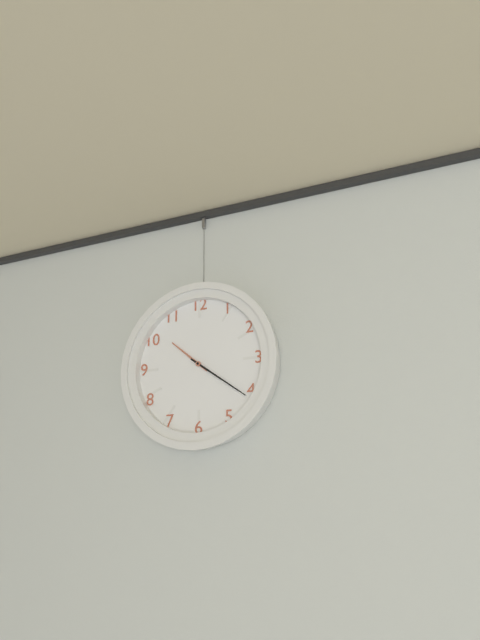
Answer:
10h21
